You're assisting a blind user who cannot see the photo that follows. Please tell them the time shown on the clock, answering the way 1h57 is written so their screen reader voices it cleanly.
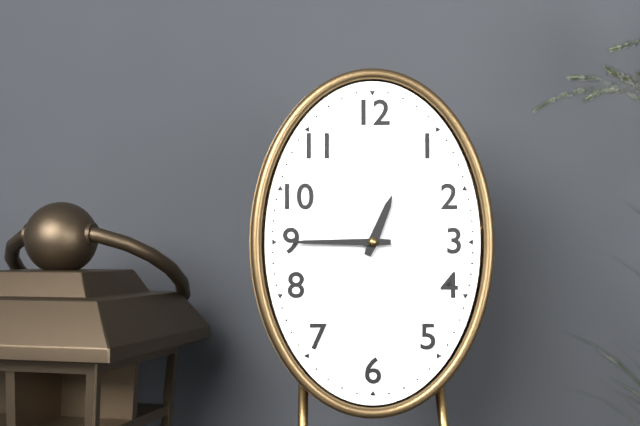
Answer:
12h45
